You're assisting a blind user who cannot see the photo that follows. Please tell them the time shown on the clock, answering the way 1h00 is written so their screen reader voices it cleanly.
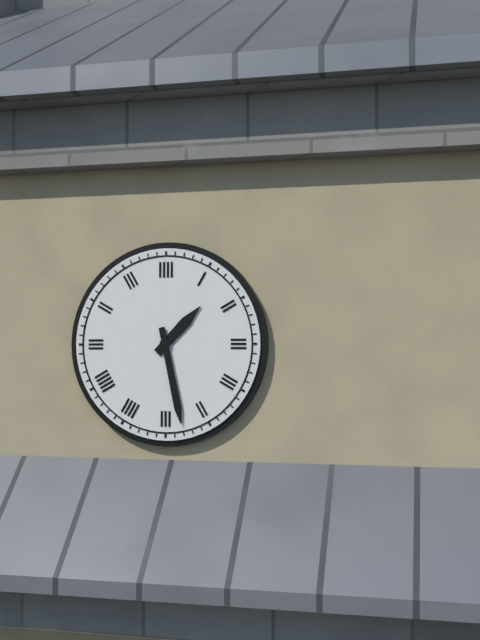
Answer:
1h28
